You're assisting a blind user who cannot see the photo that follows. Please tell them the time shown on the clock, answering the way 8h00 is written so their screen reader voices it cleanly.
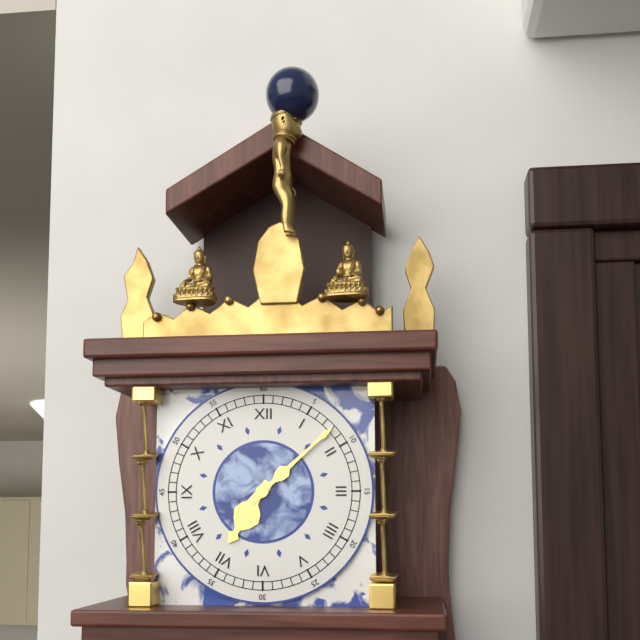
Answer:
7h08
